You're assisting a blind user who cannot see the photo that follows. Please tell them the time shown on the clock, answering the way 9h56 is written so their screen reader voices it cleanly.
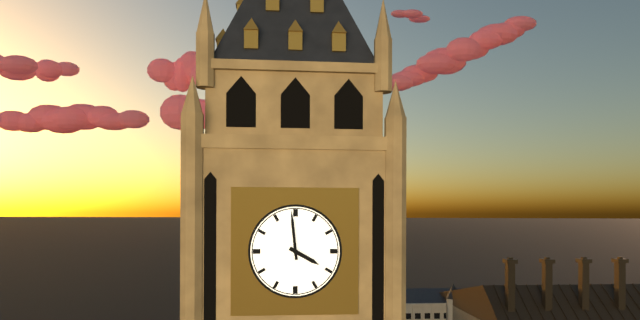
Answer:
3h59
